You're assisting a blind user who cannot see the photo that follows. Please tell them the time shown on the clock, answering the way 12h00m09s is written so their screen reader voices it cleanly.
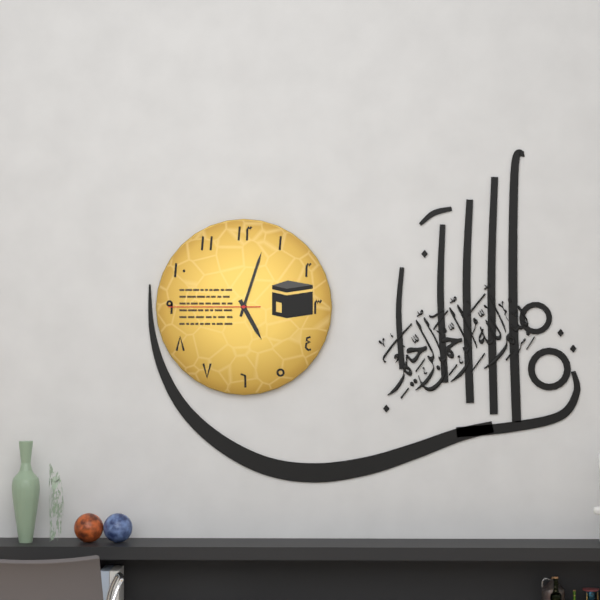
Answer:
5h03m45s
